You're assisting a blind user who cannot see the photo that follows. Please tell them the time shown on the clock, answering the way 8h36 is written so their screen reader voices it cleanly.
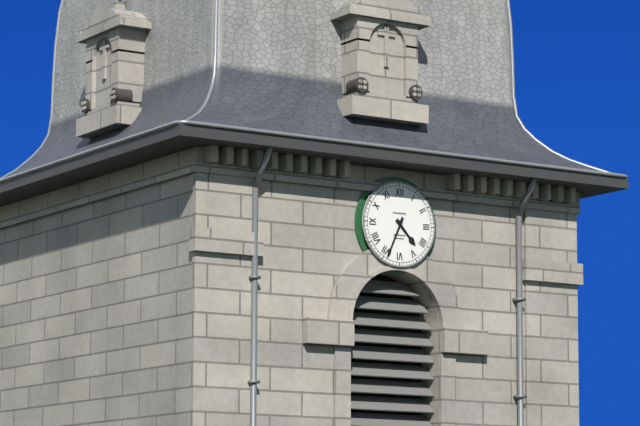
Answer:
4h34
